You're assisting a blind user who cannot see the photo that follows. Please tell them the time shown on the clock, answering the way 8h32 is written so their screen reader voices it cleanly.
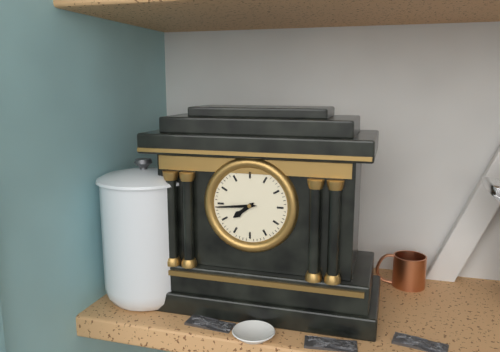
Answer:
7h44
